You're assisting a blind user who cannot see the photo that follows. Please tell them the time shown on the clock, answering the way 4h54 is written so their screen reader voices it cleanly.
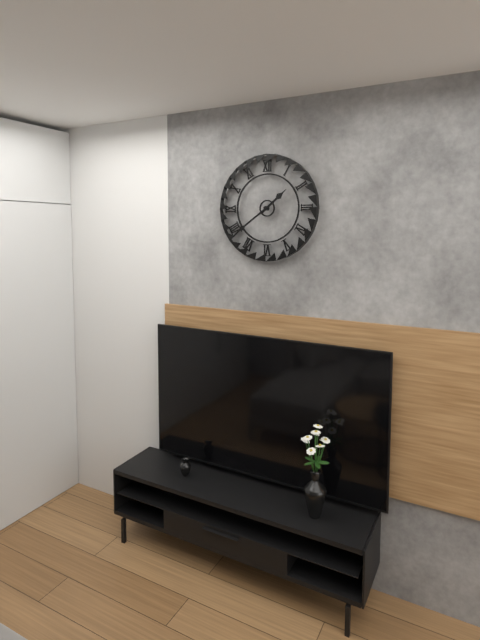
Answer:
1h39
